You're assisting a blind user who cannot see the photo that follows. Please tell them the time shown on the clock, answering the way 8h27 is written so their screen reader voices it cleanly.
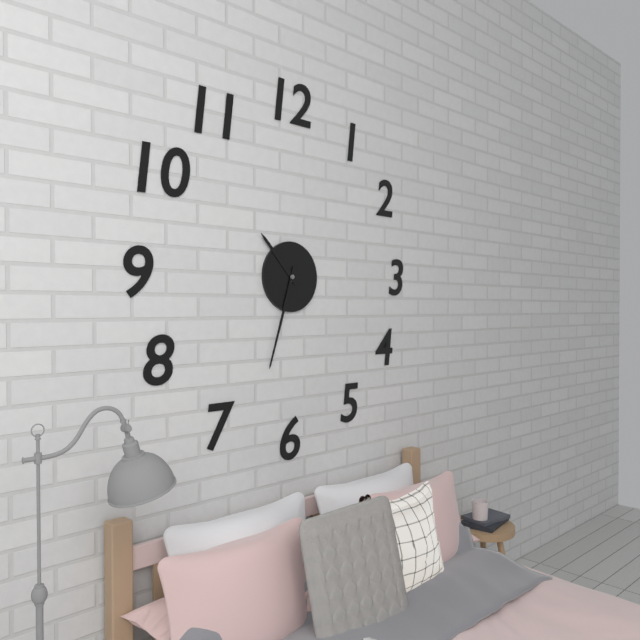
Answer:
10h33
